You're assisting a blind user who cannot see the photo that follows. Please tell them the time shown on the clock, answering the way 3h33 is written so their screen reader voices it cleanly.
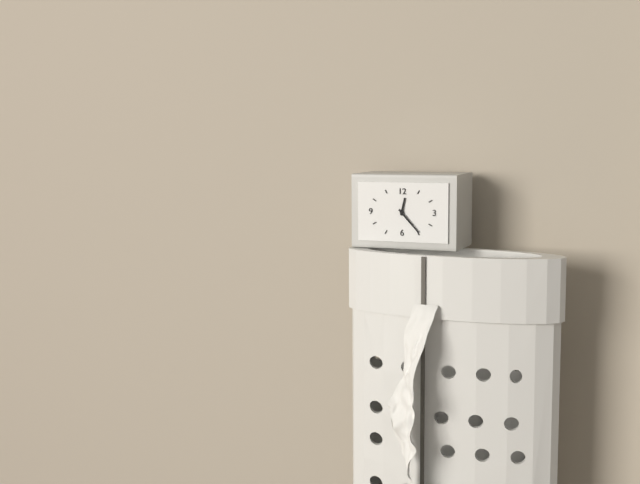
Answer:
12h23
